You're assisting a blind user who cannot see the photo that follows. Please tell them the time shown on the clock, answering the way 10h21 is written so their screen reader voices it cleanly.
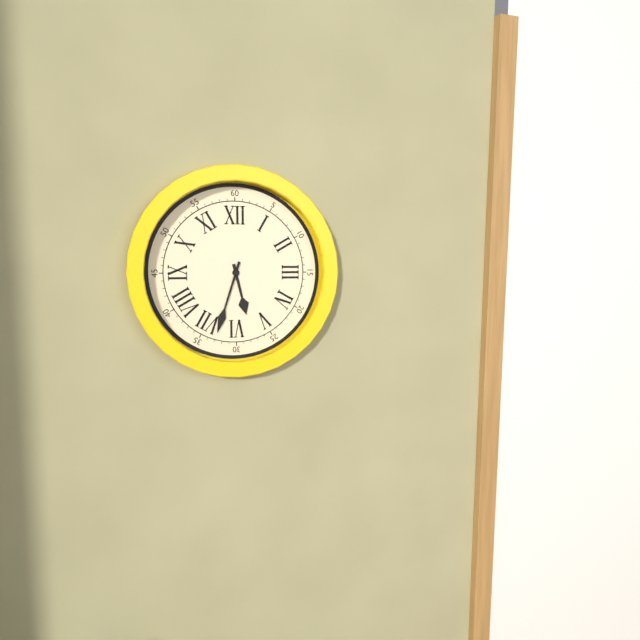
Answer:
5h33
